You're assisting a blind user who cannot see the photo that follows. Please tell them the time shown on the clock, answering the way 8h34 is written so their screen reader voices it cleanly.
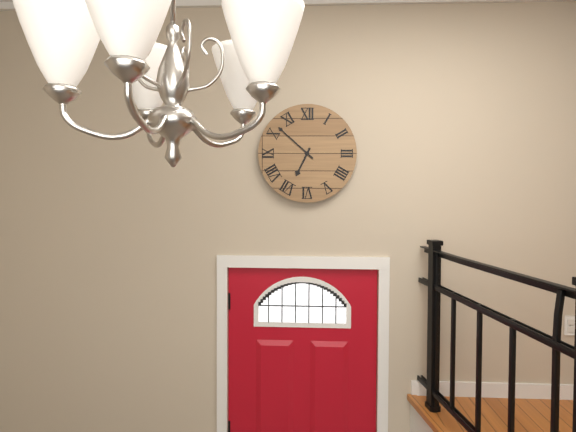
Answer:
6h52
